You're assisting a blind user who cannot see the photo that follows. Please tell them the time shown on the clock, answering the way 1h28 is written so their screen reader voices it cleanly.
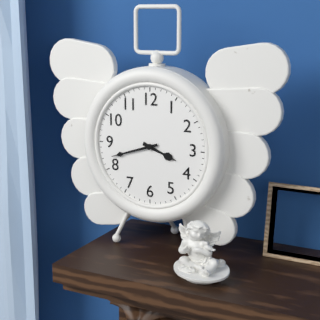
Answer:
3h42
